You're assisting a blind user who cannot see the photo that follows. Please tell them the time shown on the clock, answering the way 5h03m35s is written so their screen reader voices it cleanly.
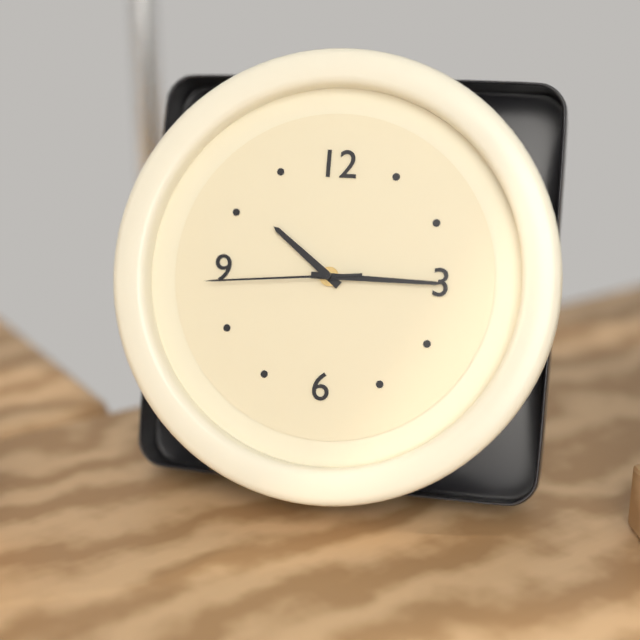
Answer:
10h15m44s
